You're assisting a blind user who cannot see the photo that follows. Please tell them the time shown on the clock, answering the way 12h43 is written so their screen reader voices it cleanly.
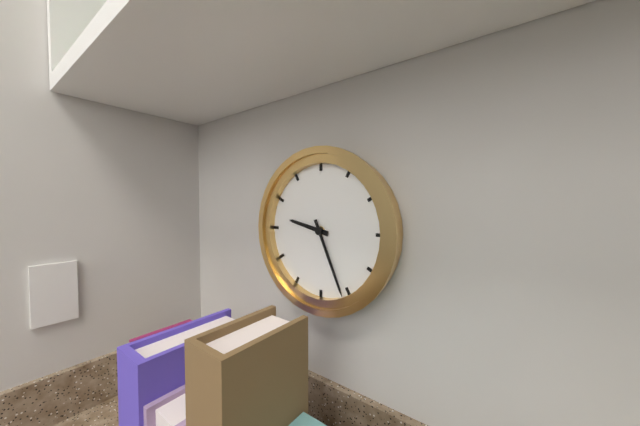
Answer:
9h26
